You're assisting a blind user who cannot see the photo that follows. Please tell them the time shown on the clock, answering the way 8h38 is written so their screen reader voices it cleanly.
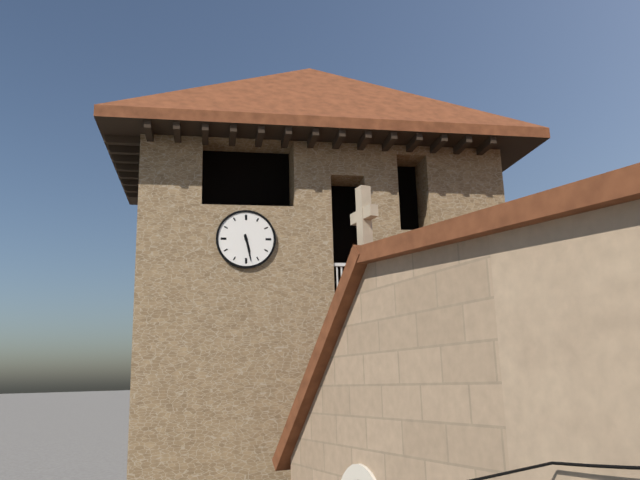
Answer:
5h28
